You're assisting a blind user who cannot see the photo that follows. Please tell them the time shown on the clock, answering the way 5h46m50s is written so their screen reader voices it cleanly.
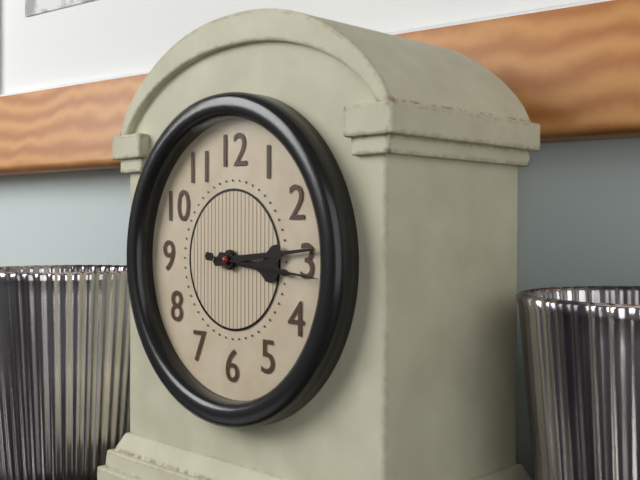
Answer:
3h14m16s
